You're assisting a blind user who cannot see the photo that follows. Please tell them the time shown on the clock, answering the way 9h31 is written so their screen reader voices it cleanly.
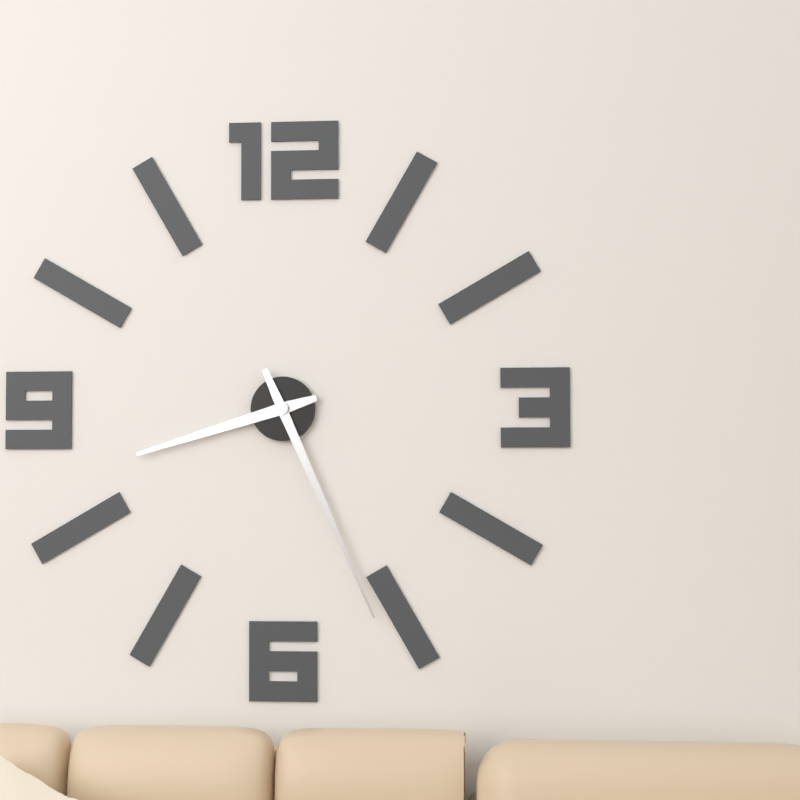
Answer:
8h26
